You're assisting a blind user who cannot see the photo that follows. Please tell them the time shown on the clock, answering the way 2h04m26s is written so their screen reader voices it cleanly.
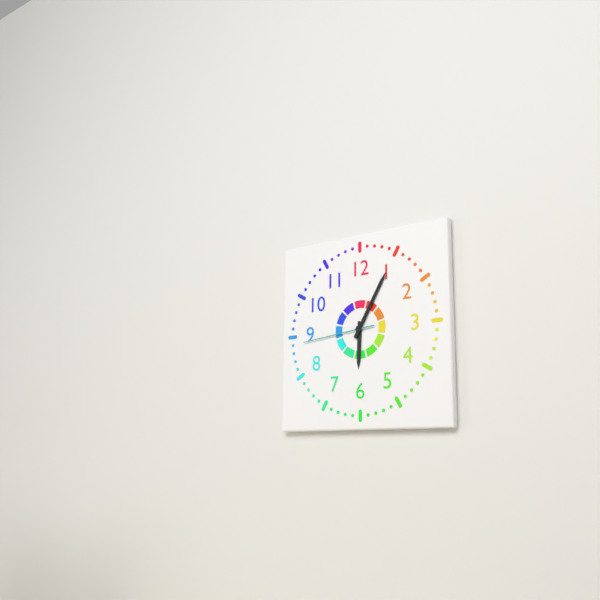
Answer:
6h05m44s
